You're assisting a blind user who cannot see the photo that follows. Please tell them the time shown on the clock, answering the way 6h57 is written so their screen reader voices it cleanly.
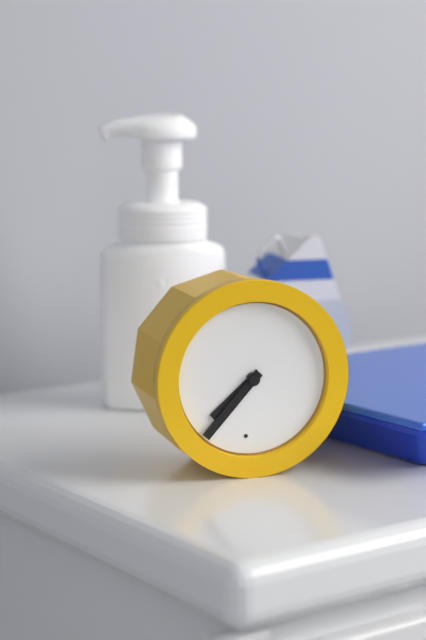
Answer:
7h37
